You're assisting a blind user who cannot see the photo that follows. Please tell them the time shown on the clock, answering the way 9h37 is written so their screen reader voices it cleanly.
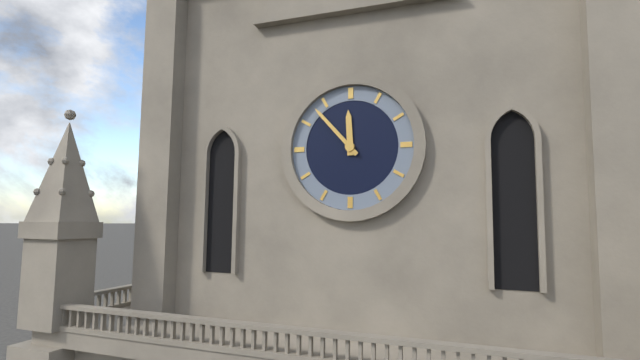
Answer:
11h53
